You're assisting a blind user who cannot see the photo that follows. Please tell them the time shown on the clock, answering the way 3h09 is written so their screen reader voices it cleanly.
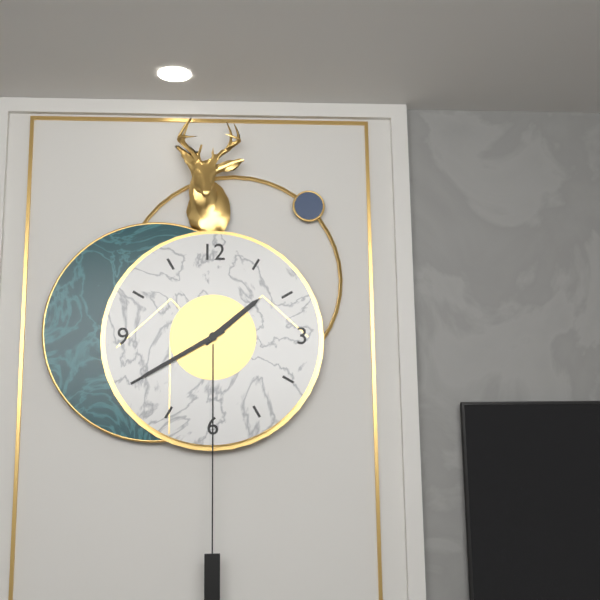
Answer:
1h40
